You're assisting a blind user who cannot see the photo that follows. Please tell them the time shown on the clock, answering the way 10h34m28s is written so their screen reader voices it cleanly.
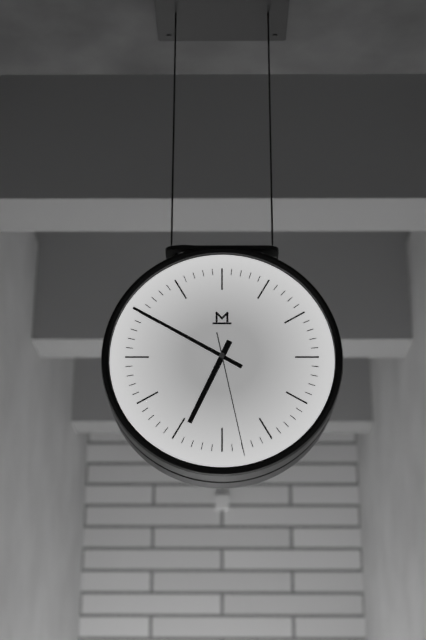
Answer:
6h50m28s
